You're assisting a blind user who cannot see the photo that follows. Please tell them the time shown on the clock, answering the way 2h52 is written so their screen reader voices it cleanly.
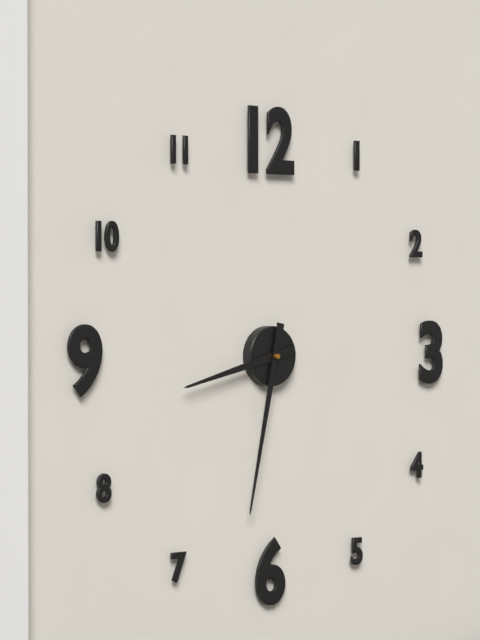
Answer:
8h32
